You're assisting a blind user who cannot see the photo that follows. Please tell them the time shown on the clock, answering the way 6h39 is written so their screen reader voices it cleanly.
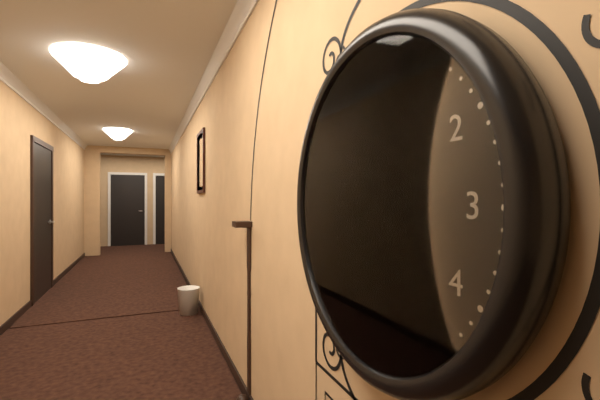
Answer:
12h55
